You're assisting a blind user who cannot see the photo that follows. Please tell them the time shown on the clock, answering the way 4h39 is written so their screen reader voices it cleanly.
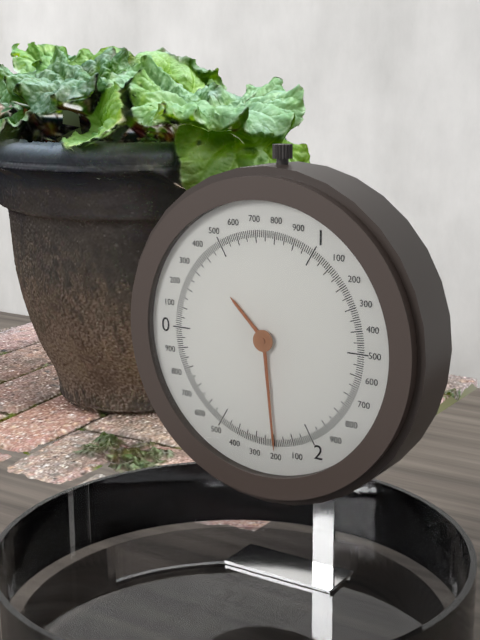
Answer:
10h29
